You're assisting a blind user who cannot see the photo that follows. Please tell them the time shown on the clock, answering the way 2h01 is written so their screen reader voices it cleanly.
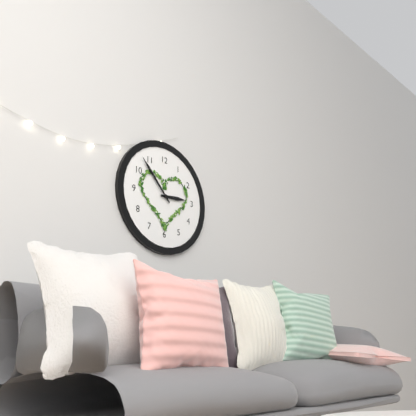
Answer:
2h53
